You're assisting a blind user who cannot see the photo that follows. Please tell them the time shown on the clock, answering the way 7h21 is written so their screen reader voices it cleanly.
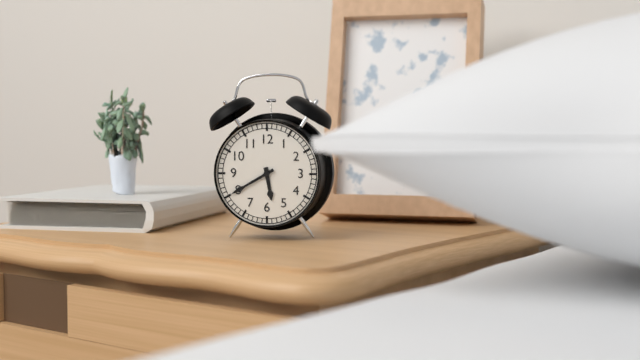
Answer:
5h40
